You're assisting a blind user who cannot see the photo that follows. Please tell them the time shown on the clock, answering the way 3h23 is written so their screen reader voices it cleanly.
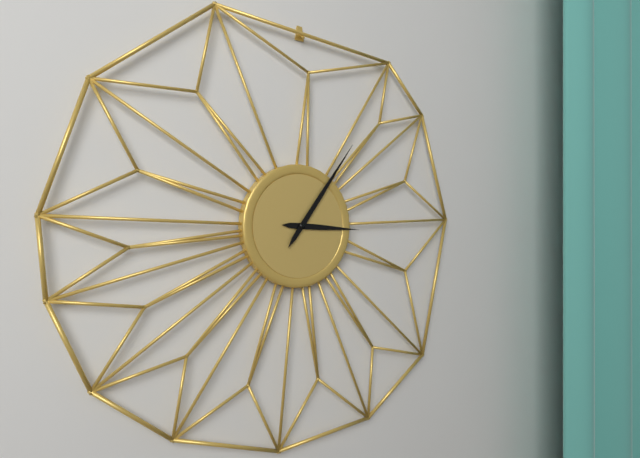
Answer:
3h06
